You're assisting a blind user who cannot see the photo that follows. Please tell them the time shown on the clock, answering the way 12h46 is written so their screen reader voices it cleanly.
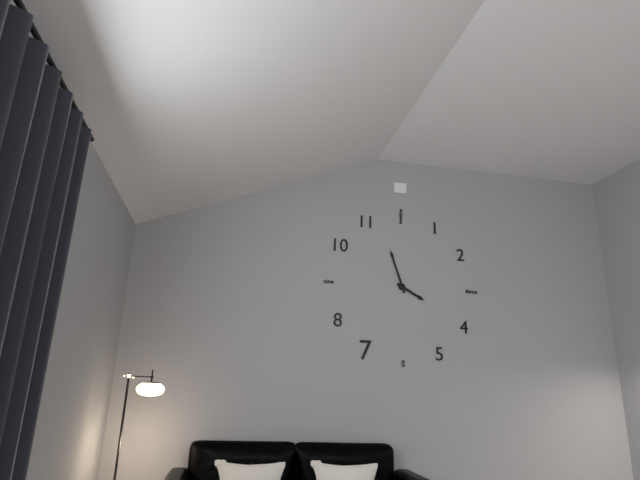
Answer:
3h57
